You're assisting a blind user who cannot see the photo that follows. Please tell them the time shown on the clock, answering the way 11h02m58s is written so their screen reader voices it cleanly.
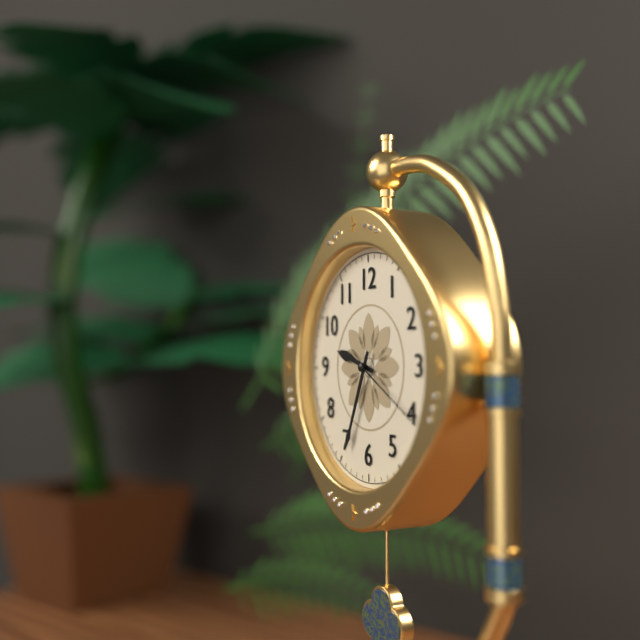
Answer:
9h34m20s
